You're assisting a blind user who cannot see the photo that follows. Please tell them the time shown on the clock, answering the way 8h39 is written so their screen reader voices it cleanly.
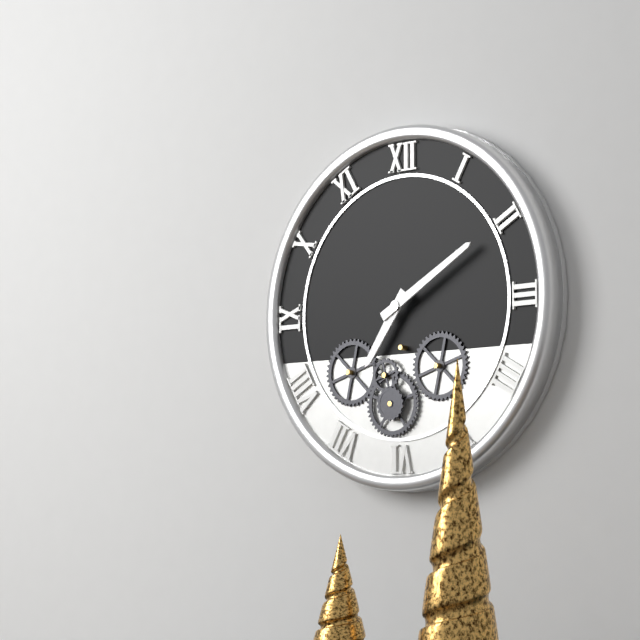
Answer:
7h10
